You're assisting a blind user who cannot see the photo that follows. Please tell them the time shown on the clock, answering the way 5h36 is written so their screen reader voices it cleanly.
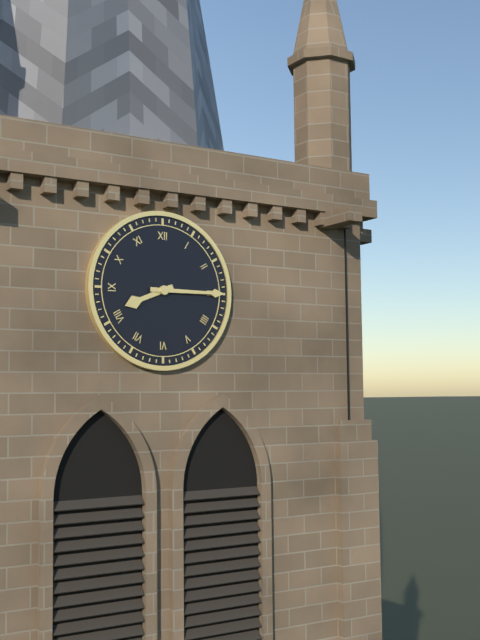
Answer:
8h15
